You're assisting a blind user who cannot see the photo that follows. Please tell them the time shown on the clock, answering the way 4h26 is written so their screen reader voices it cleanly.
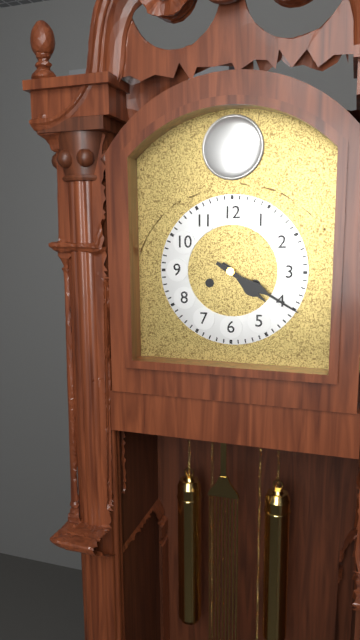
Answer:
4h20
